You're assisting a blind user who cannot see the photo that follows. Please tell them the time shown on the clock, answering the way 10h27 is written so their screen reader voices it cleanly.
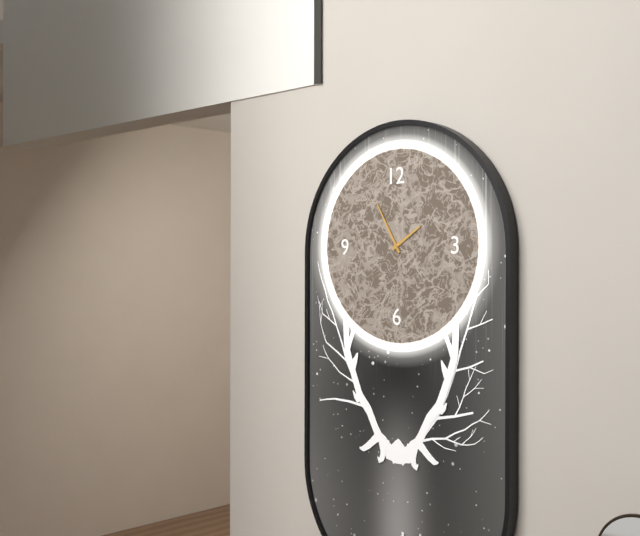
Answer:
1h55
